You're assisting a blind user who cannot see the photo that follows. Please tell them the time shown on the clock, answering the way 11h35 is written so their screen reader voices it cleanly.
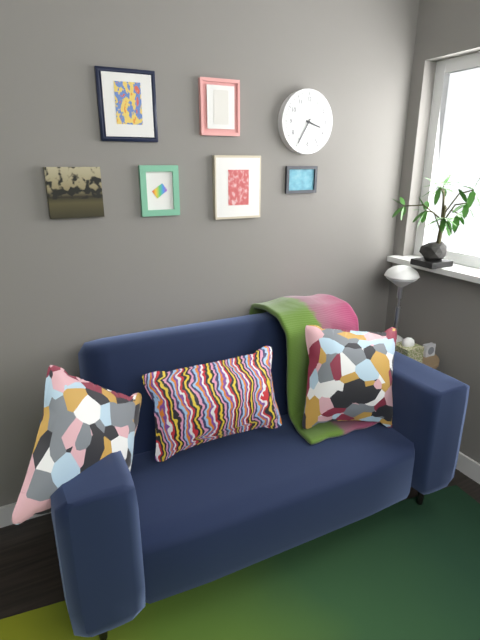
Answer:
3h35
